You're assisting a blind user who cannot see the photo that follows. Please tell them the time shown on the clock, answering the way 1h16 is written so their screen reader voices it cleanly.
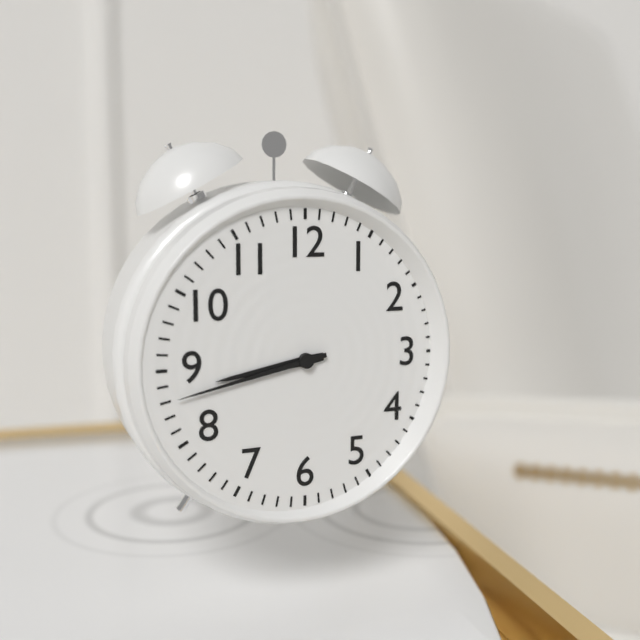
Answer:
8h43
